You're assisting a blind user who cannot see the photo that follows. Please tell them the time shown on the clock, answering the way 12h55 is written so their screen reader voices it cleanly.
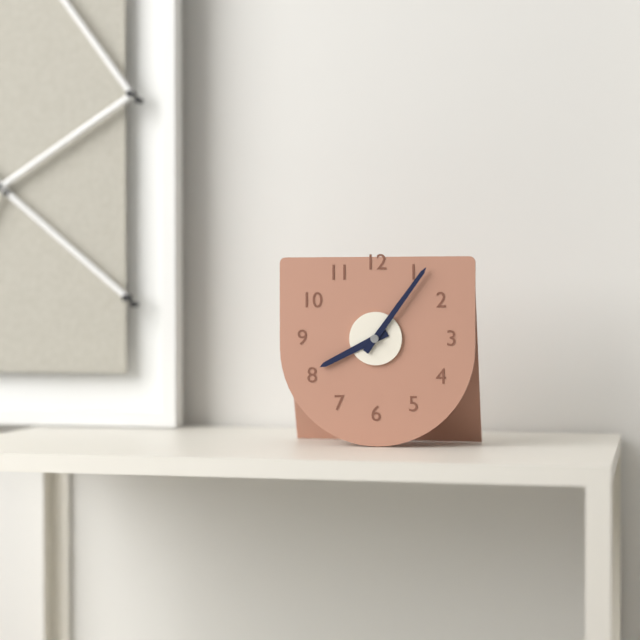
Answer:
8h06
